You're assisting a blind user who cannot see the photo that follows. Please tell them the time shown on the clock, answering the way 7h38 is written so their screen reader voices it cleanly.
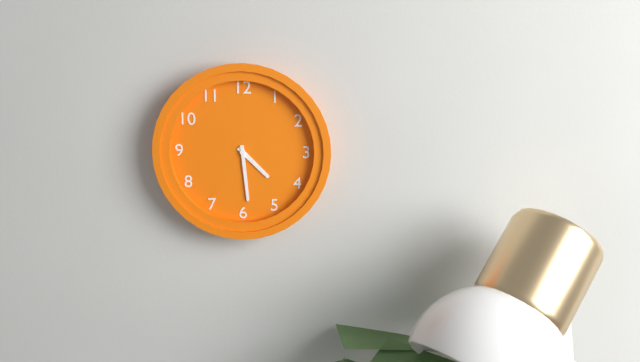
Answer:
4h29
